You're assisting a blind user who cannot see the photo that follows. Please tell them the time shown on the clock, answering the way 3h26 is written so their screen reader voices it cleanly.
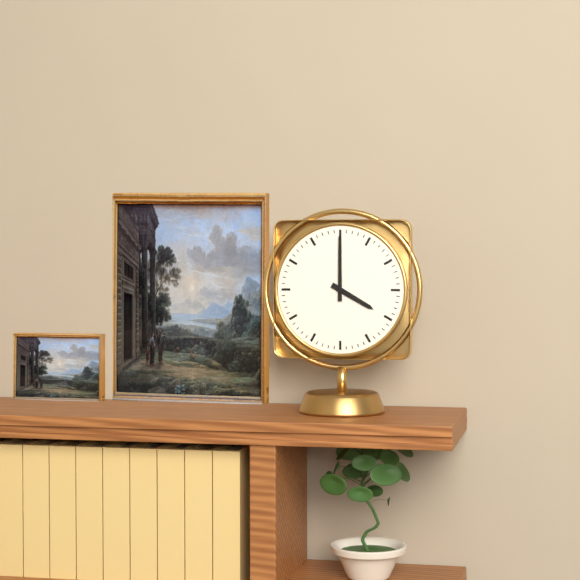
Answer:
4h00
